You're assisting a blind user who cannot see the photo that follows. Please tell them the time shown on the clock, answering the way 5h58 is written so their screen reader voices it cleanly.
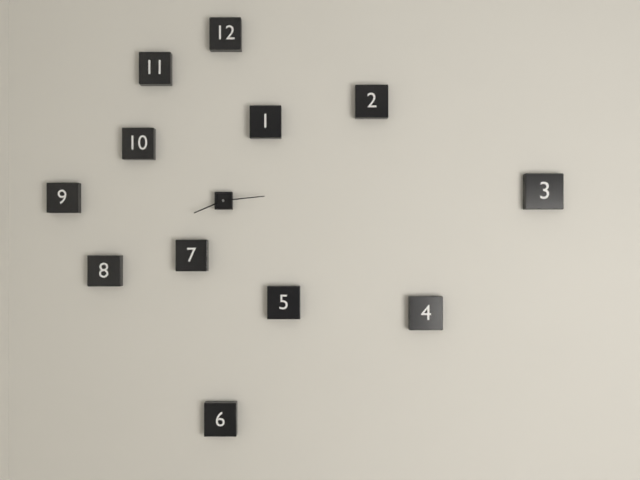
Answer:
8h14
